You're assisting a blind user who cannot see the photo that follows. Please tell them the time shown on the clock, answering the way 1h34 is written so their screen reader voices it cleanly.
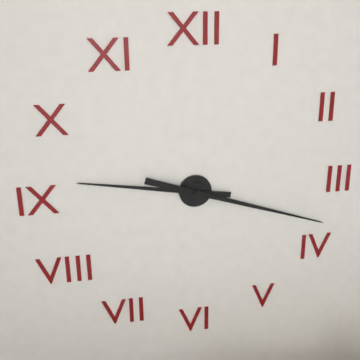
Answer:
9h18
